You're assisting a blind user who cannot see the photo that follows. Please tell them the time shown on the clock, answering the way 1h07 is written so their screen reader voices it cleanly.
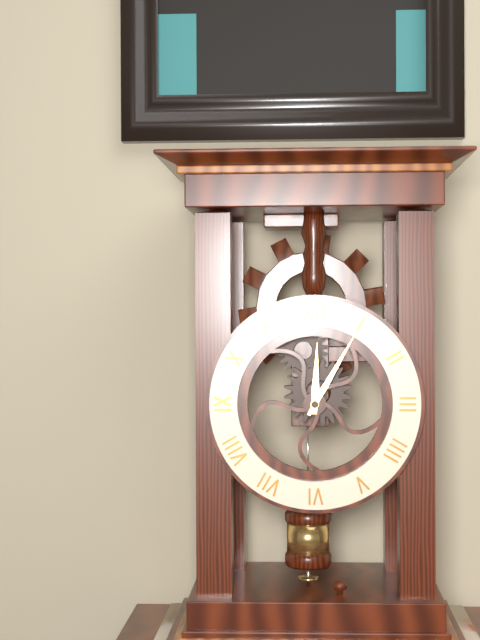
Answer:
12h05
